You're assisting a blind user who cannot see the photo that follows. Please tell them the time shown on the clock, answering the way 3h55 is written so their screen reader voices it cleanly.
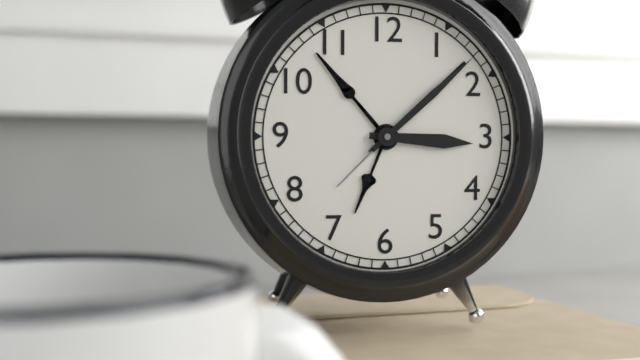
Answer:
3h08
